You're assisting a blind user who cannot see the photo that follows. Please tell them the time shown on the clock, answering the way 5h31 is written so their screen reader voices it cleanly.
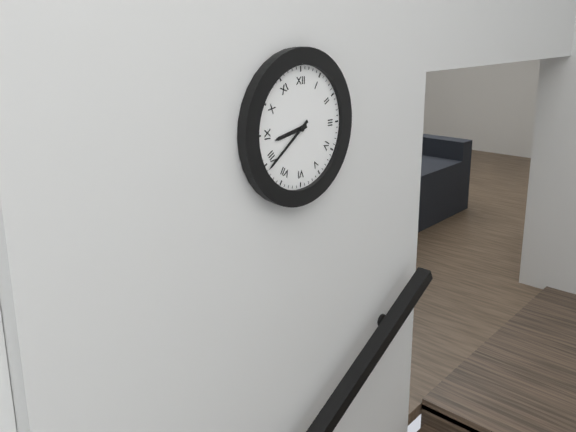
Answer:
8h39
